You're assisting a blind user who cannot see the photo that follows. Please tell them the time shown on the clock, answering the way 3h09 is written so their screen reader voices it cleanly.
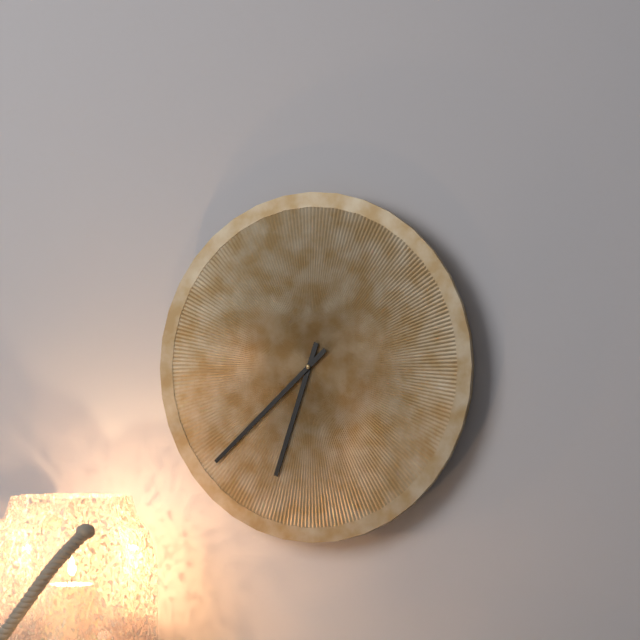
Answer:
6h38
